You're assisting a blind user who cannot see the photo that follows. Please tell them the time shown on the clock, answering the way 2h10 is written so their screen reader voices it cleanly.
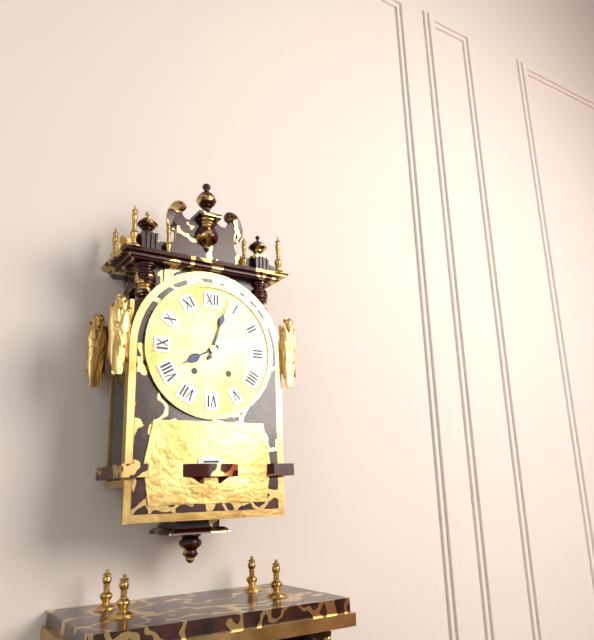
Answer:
8h03
